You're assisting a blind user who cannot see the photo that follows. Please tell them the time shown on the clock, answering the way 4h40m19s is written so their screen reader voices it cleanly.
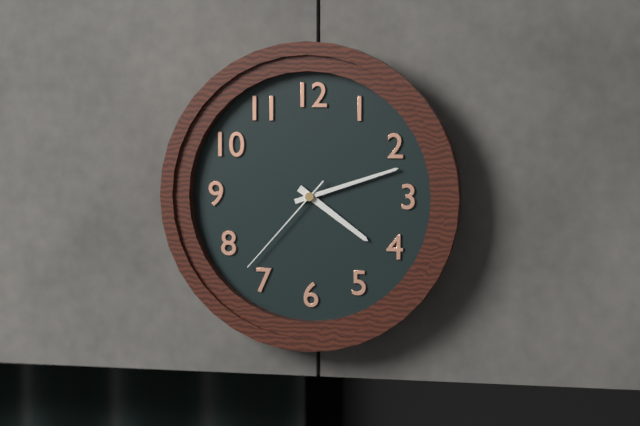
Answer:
4h12m37s
